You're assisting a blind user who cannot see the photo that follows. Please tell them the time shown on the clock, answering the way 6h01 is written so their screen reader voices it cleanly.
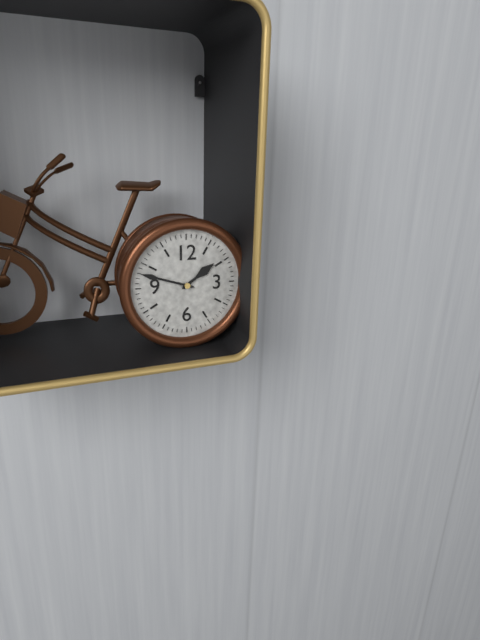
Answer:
1h48
